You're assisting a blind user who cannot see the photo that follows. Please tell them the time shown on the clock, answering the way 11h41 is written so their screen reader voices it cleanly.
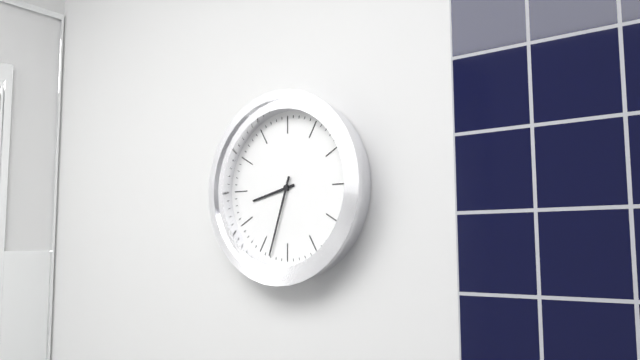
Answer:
8h33
